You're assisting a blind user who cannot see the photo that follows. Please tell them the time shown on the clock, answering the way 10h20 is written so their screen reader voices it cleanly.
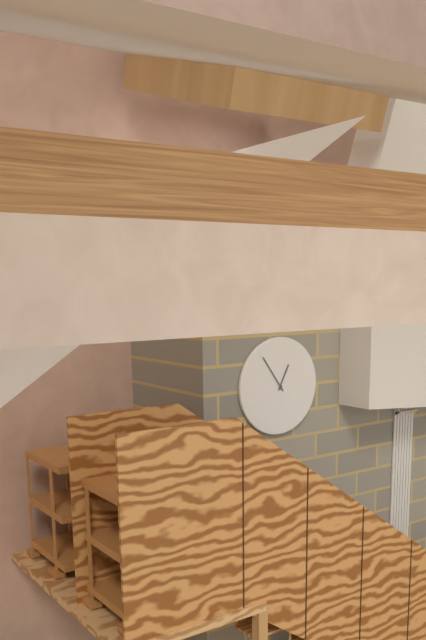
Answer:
12h54
